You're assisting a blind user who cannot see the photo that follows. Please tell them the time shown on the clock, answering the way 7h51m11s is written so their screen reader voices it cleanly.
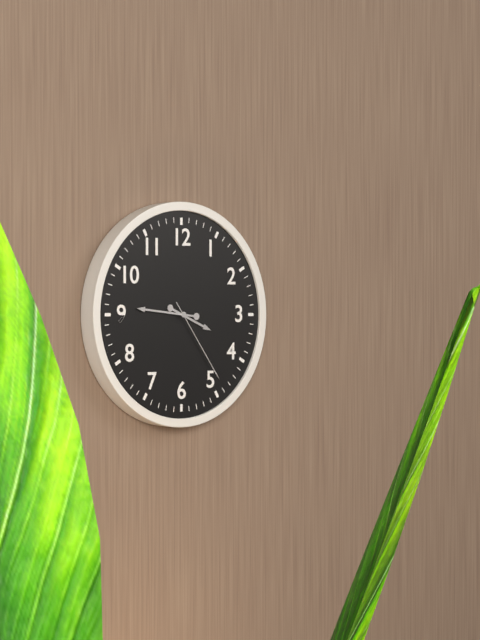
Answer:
3h46m24s
